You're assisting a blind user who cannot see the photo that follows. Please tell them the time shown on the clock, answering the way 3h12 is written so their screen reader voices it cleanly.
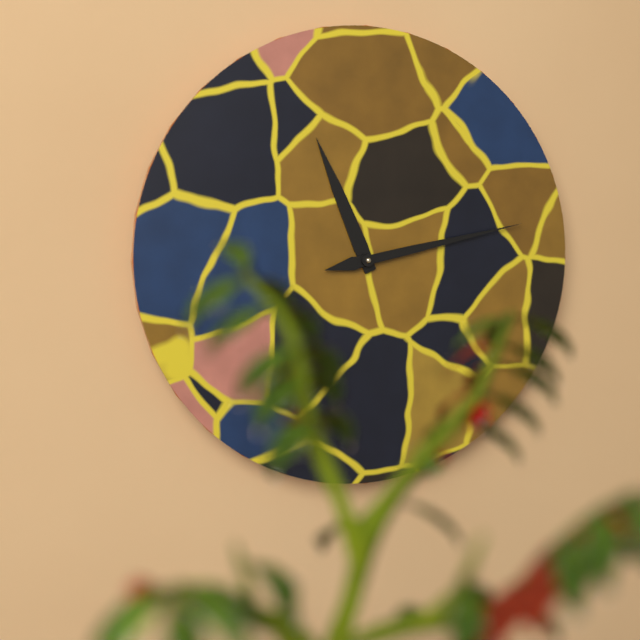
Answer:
11h13
